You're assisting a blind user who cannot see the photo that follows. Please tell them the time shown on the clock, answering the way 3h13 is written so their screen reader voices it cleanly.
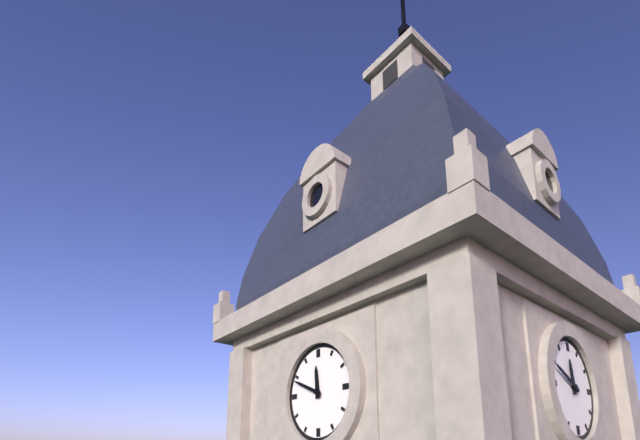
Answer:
11h49
